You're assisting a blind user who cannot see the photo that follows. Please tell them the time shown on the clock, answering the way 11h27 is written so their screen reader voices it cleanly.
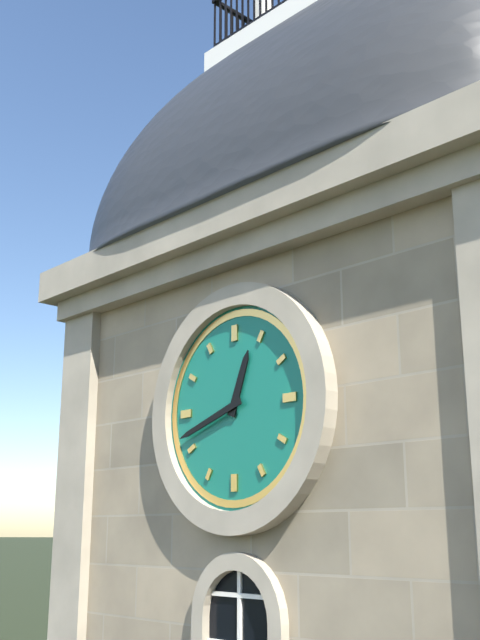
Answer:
12h42
